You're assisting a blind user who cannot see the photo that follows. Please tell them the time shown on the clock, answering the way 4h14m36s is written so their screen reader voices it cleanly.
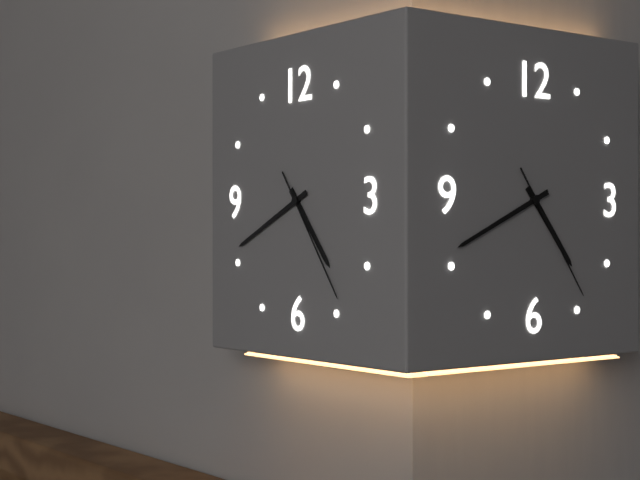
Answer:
4h41m24s
